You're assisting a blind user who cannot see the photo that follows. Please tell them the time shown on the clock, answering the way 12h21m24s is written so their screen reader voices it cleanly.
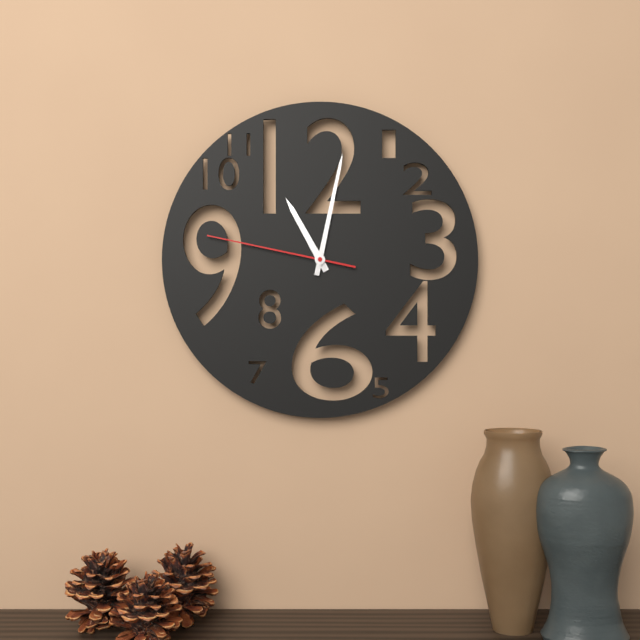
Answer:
11h02m47s
